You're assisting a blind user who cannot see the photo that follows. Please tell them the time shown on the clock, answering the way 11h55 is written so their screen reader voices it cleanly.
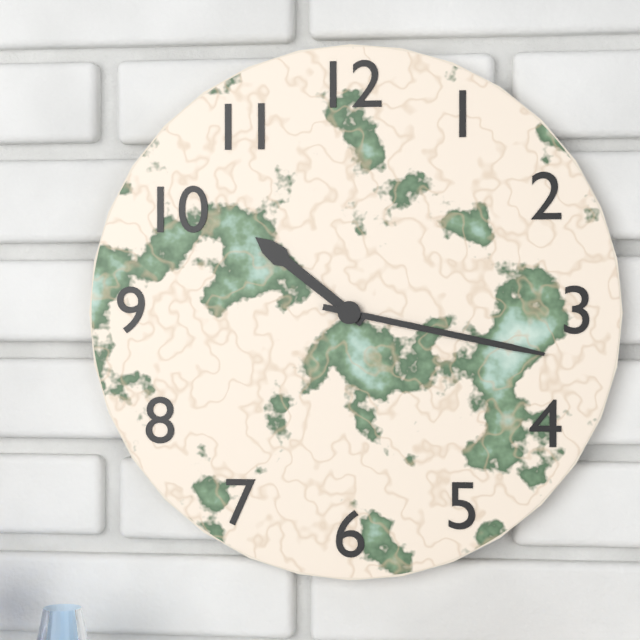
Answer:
10h17
